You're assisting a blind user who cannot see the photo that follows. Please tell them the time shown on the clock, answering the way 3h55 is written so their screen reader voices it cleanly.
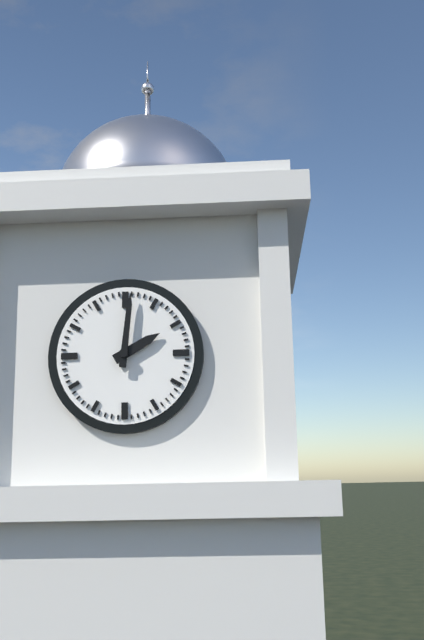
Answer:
2h01
